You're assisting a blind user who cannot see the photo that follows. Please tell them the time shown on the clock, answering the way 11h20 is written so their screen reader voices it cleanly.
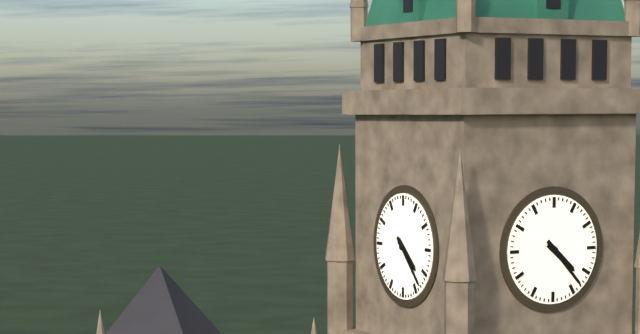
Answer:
4h23
